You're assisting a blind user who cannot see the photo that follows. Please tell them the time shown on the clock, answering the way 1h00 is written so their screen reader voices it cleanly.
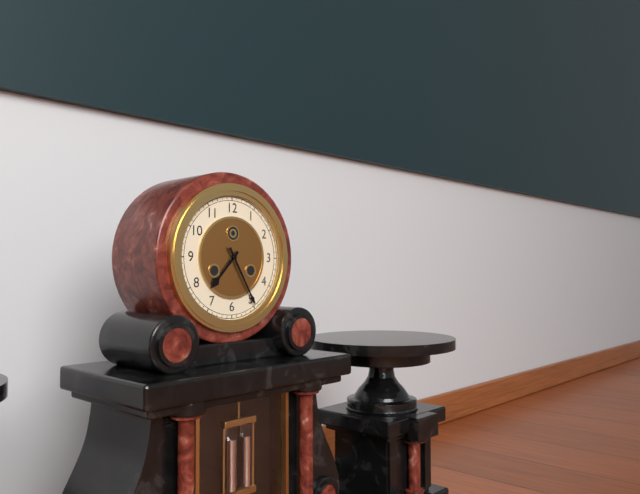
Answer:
7h25
